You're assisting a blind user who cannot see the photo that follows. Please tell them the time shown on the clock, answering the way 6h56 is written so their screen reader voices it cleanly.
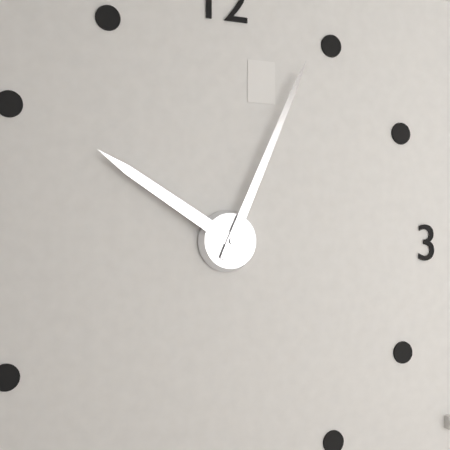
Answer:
10h04
